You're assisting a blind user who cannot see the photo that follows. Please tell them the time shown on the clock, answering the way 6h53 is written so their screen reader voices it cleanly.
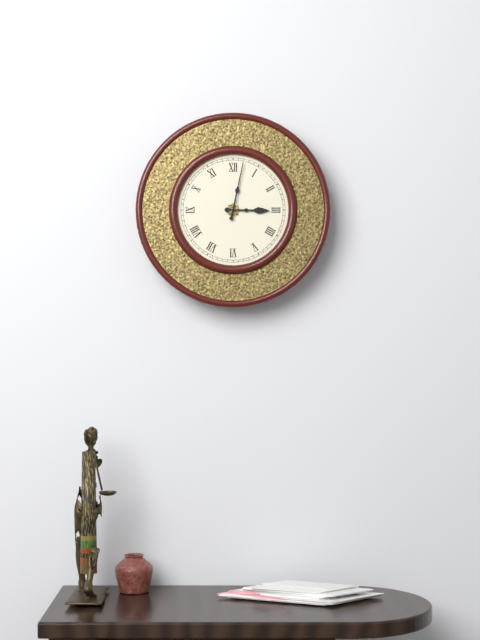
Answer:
3h02
